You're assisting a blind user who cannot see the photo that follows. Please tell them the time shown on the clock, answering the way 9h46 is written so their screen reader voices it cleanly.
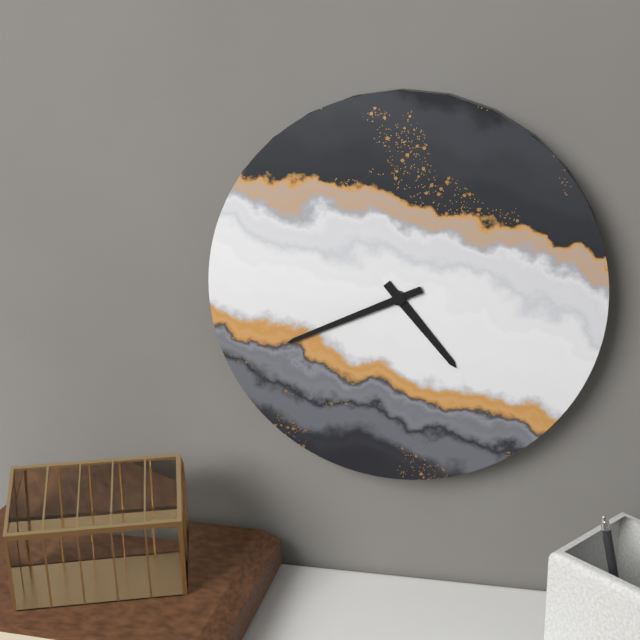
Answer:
4h41
